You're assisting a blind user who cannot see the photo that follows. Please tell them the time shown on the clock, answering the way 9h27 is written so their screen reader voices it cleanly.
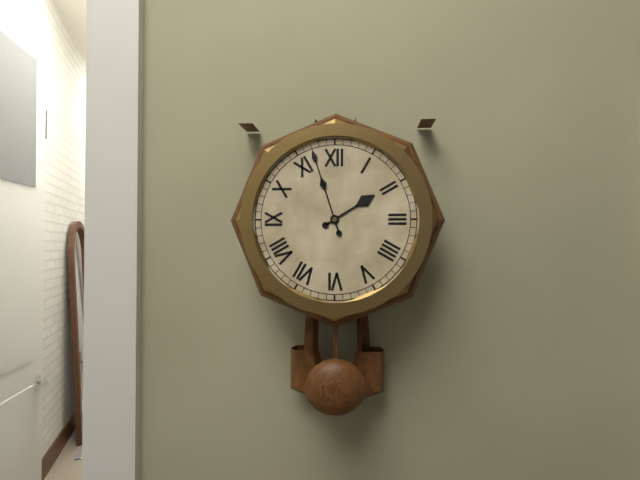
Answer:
1h57
